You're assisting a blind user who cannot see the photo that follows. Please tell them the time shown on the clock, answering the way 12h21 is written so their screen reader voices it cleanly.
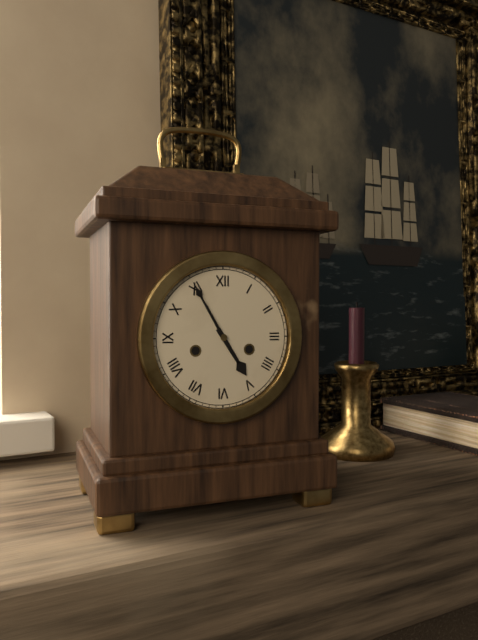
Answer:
4h55
